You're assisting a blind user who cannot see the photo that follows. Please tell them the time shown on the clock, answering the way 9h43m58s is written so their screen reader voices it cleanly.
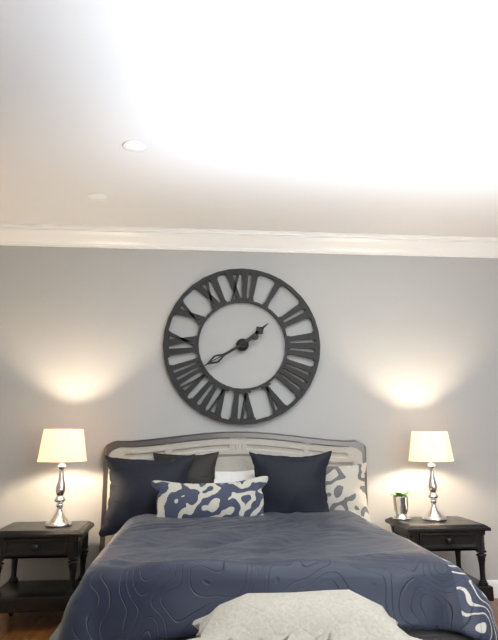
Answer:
1h40m40s
